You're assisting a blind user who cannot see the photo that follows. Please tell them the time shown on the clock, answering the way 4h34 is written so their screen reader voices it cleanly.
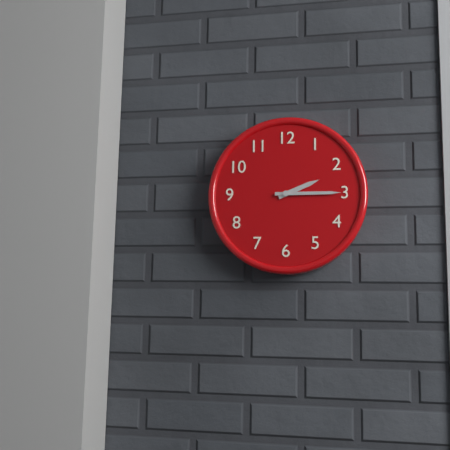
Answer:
2h15
